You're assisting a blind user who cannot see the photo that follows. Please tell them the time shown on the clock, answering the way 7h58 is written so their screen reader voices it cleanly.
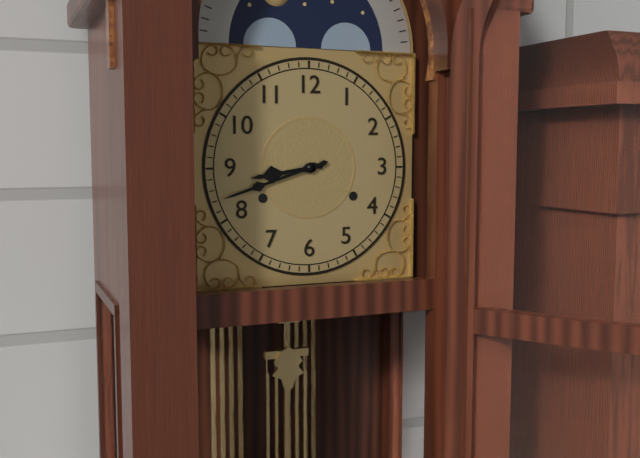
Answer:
8h42
